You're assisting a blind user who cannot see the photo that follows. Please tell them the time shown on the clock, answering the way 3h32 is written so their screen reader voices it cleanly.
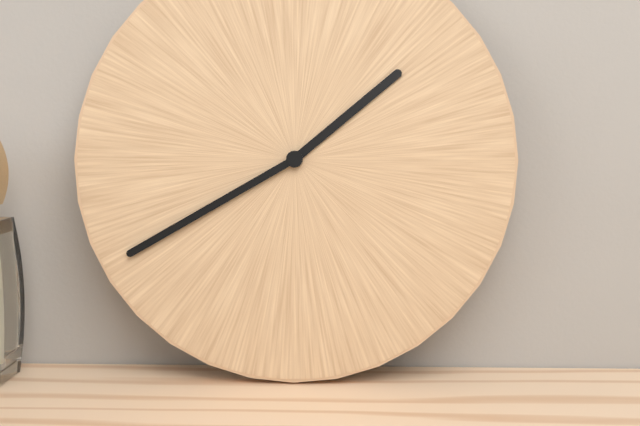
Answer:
1h40
